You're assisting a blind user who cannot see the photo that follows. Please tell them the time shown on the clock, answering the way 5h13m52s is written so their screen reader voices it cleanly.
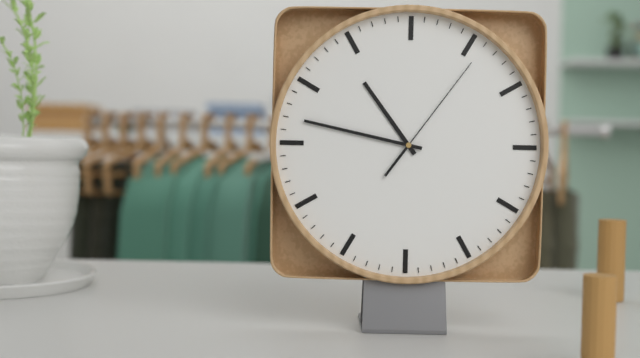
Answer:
10h47m06s
